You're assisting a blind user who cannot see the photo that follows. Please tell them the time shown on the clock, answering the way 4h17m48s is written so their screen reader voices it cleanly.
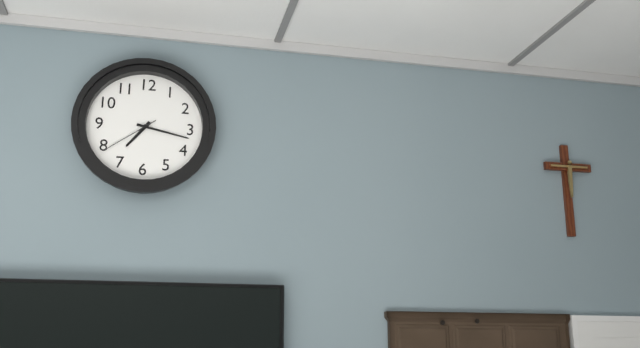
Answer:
7h17m39s
